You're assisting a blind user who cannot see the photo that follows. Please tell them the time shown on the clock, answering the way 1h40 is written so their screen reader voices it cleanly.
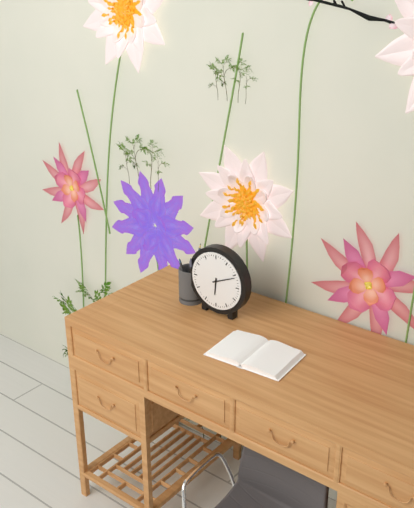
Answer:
6h11
